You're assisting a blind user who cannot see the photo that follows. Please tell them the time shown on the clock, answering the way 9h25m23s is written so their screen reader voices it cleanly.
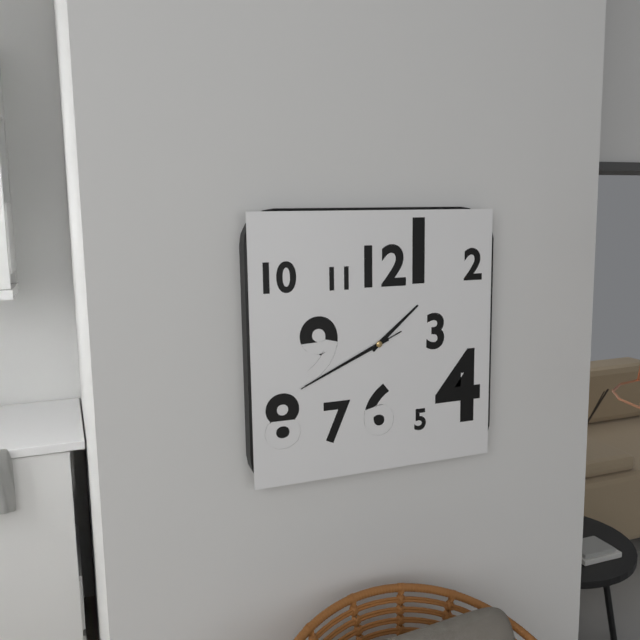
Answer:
1h41m41s
